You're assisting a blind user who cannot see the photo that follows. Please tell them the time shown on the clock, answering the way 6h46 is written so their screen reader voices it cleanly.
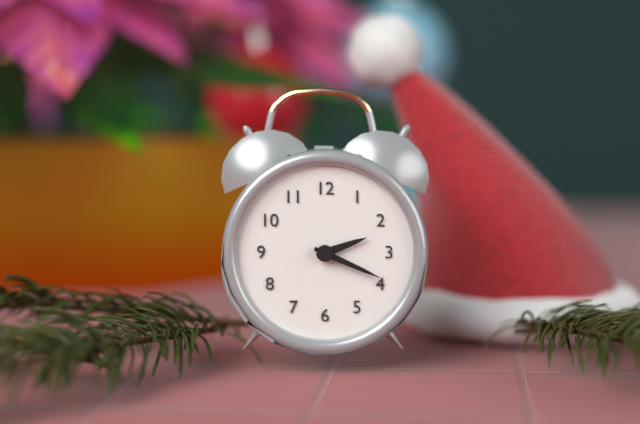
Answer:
2h19
